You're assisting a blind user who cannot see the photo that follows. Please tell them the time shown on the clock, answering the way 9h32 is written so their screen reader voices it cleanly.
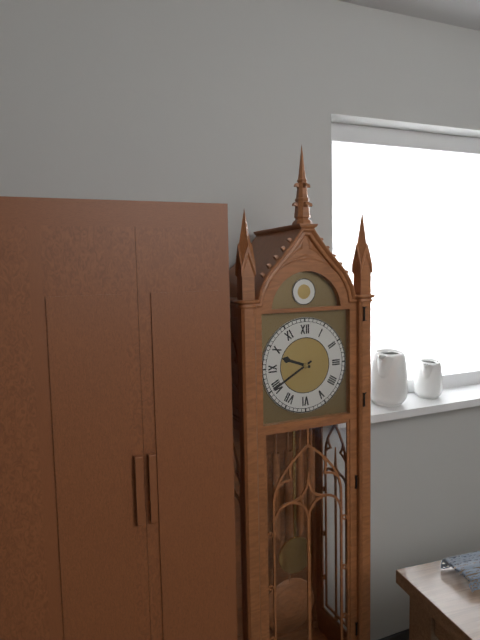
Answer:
9h40
